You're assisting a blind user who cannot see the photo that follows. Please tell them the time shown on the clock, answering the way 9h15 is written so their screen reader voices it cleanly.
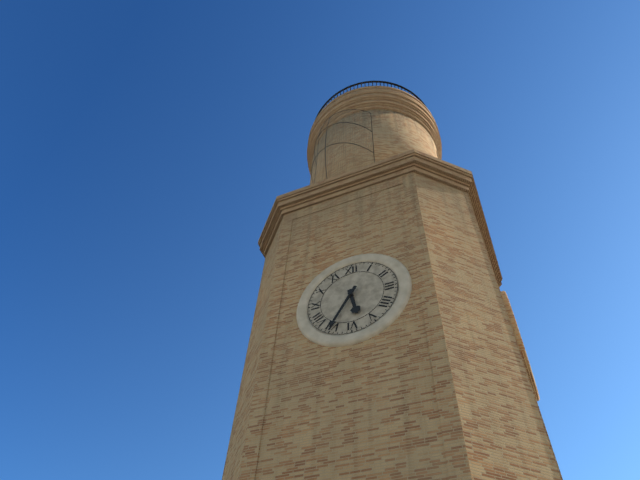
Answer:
5h35
